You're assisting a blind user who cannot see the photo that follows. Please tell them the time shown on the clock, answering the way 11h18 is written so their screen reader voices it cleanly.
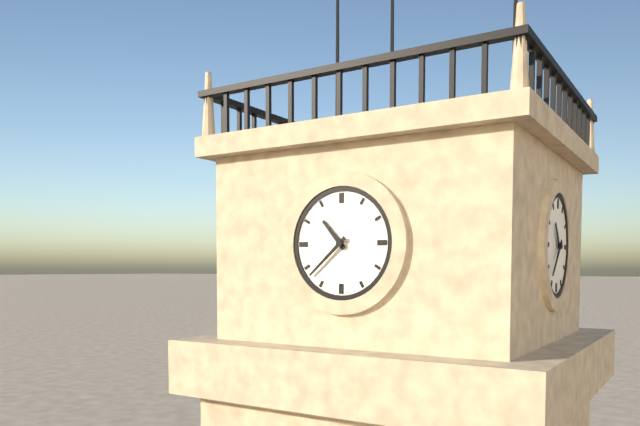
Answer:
10h38
